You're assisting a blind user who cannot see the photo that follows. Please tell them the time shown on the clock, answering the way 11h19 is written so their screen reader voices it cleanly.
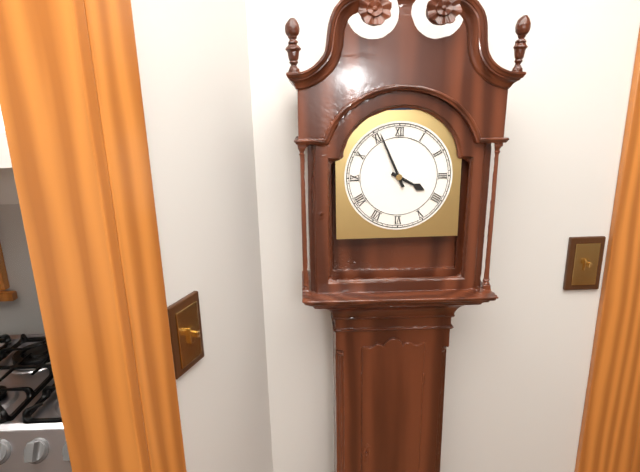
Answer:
3h56
